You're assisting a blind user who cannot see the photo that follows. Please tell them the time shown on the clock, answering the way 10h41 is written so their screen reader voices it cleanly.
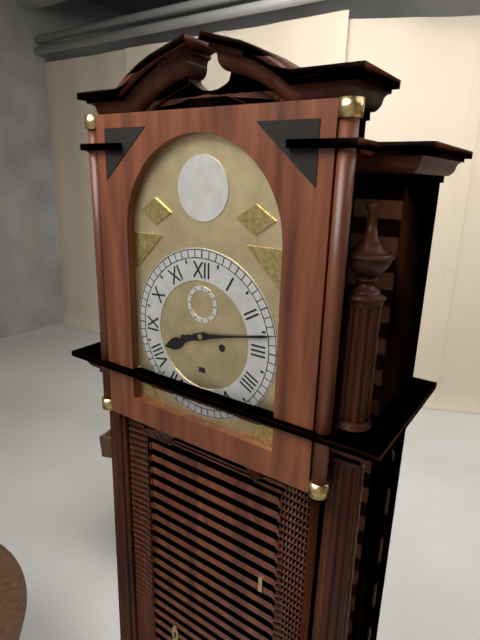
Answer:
8h13
